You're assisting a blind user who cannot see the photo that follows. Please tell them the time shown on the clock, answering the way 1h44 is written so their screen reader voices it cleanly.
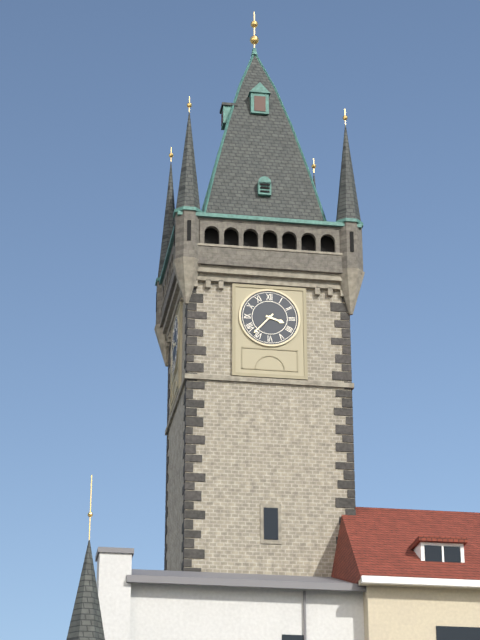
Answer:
3h37
